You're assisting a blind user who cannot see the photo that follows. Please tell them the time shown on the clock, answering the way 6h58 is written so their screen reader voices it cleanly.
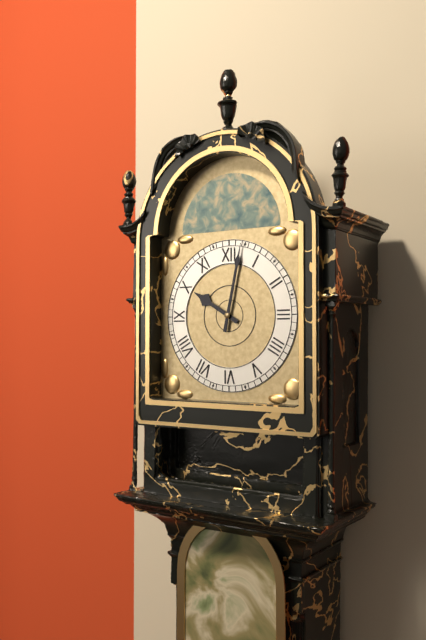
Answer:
10h02
